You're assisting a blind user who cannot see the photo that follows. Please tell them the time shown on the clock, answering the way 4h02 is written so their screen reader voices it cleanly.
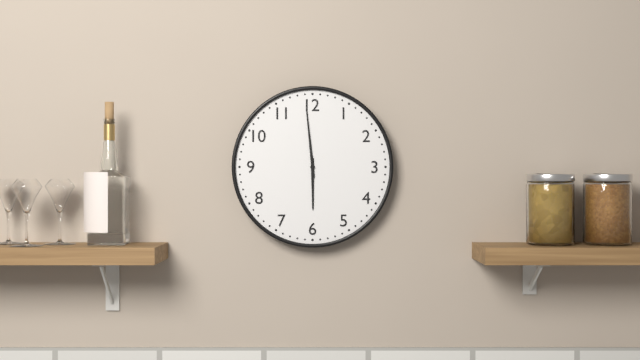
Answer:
5h59
